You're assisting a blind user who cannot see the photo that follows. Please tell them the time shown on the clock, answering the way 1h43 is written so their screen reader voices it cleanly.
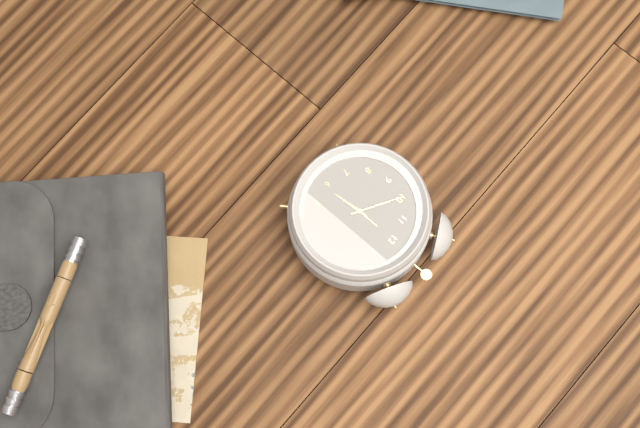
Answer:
5h50
